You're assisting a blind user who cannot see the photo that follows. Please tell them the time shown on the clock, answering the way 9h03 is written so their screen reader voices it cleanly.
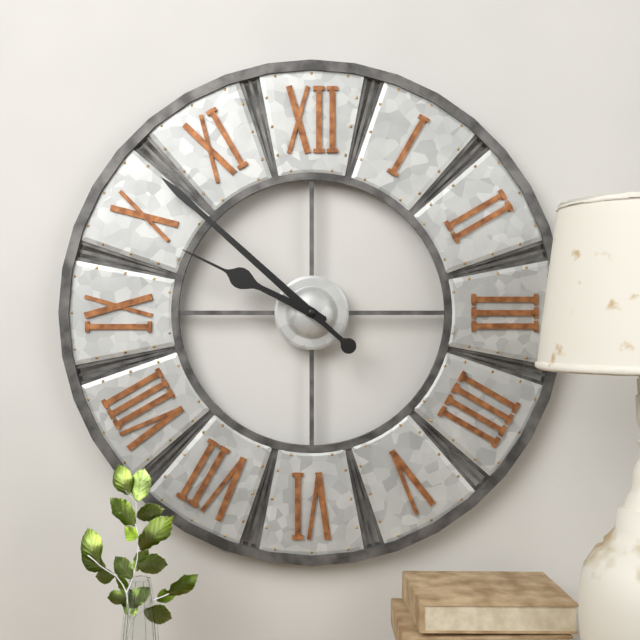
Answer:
9h52
